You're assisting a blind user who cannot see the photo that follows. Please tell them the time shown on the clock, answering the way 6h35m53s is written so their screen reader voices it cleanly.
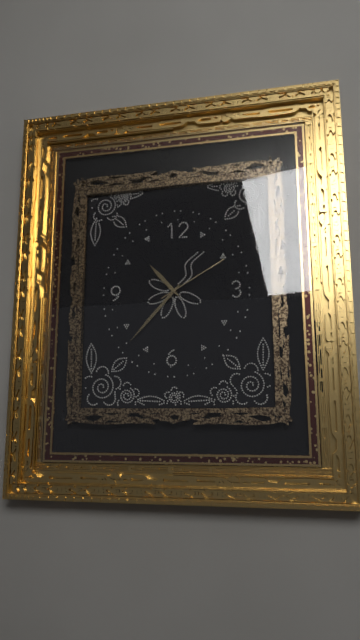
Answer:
10h37m10s
